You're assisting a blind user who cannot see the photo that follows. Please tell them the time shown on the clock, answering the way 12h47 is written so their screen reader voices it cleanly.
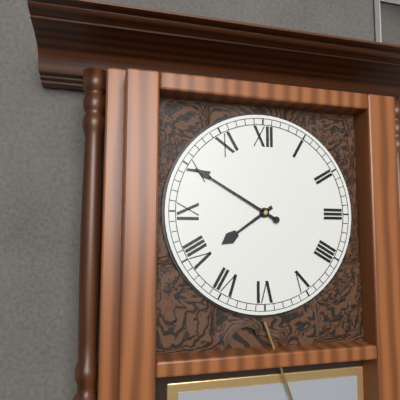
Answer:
7h50
